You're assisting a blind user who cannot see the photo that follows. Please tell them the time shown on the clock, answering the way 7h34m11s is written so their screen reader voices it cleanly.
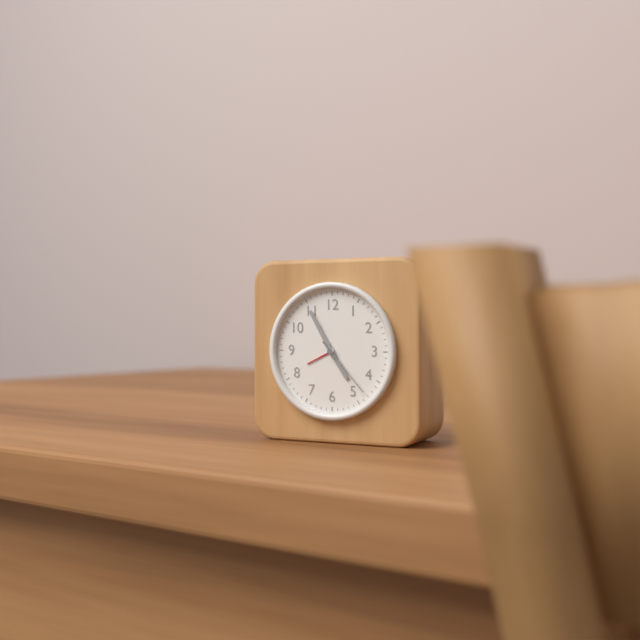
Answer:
4h55m23s
